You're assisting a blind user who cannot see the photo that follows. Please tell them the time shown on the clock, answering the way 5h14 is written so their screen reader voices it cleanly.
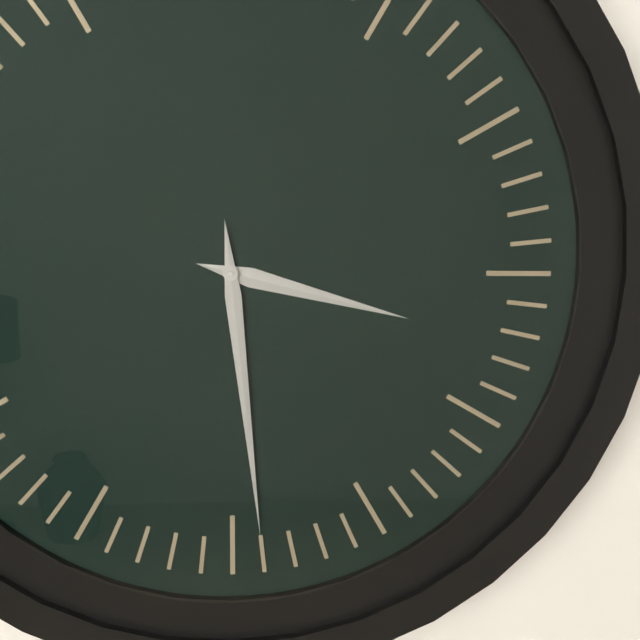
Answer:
3h29
